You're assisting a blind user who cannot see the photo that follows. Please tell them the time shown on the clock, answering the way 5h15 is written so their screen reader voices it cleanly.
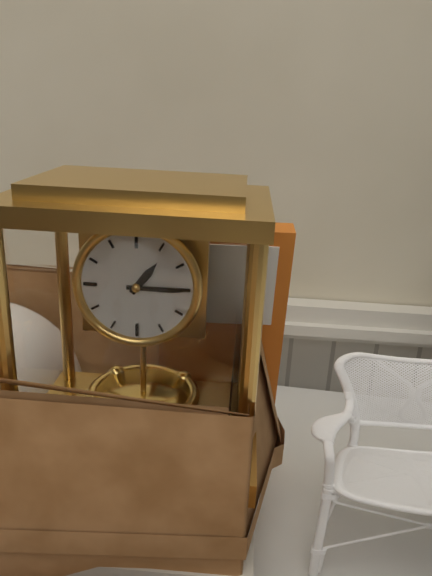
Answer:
1h15
